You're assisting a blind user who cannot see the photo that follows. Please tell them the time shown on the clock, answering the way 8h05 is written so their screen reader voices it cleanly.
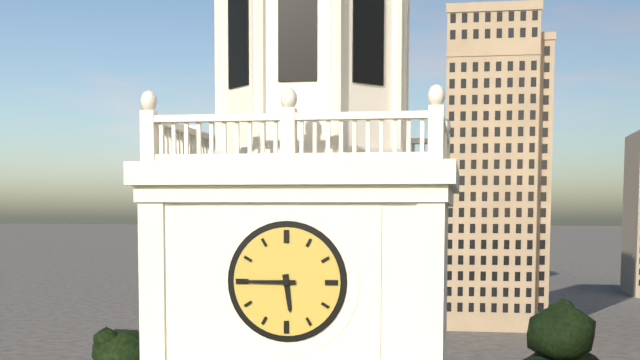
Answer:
5h45
